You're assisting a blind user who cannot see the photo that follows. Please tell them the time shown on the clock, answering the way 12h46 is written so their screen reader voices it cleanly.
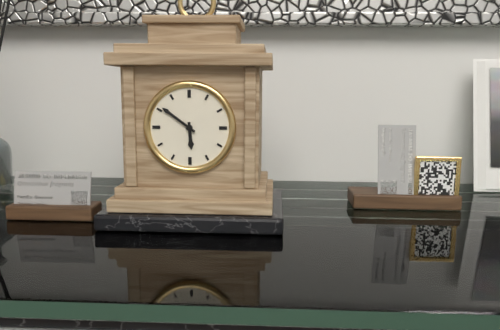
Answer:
5h51
